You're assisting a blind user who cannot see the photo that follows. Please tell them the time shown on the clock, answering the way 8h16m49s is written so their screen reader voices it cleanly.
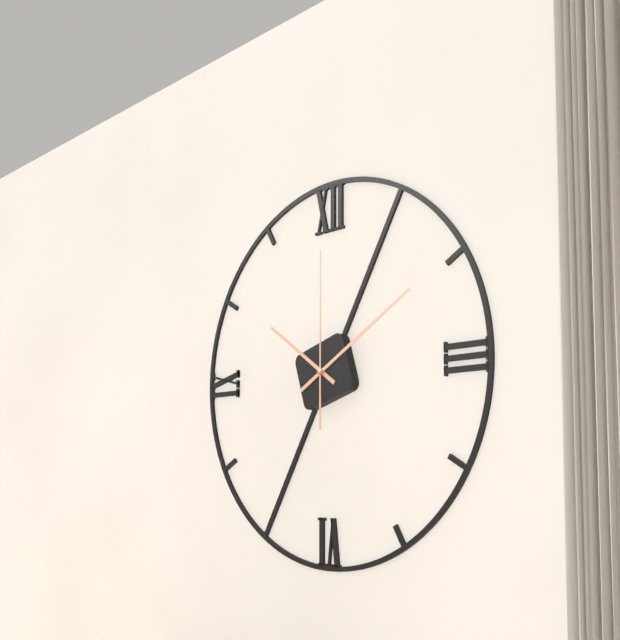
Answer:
10h10m00s
